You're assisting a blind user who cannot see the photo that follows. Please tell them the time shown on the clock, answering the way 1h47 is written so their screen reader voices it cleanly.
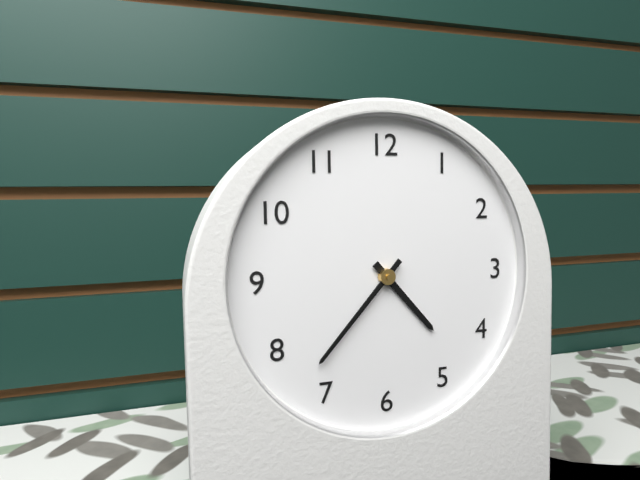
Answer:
4h37
